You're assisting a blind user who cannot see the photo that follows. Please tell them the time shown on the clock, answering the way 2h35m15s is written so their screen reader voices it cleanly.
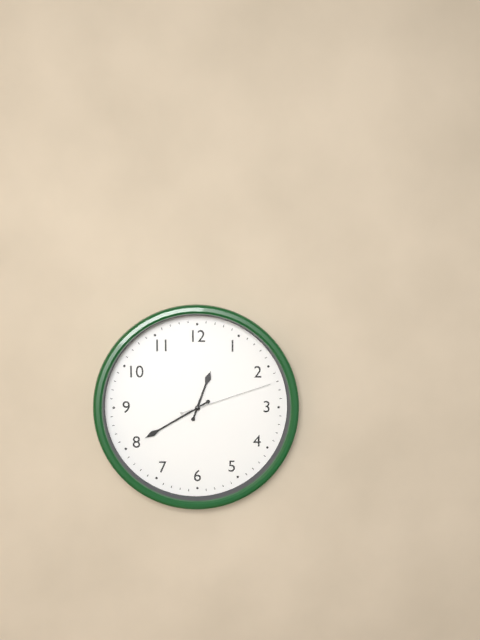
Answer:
12h40m12s
